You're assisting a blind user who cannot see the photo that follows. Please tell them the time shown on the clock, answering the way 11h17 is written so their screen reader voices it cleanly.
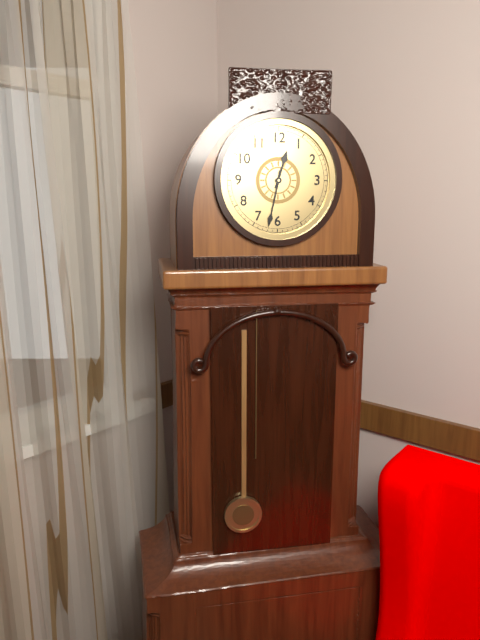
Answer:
12h32
